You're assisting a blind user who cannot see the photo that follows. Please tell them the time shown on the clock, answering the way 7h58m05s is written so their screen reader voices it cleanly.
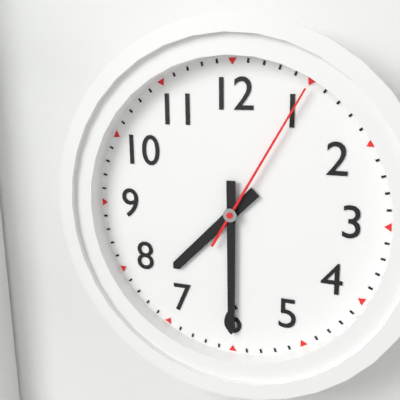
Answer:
7h30m05s
